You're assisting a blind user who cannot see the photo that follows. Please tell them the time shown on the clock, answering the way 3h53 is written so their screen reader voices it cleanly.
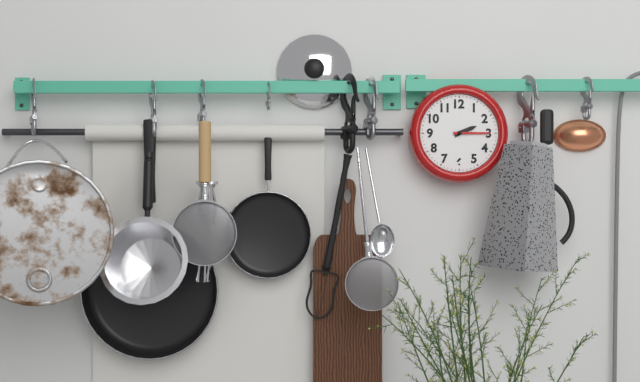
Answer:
2h15
